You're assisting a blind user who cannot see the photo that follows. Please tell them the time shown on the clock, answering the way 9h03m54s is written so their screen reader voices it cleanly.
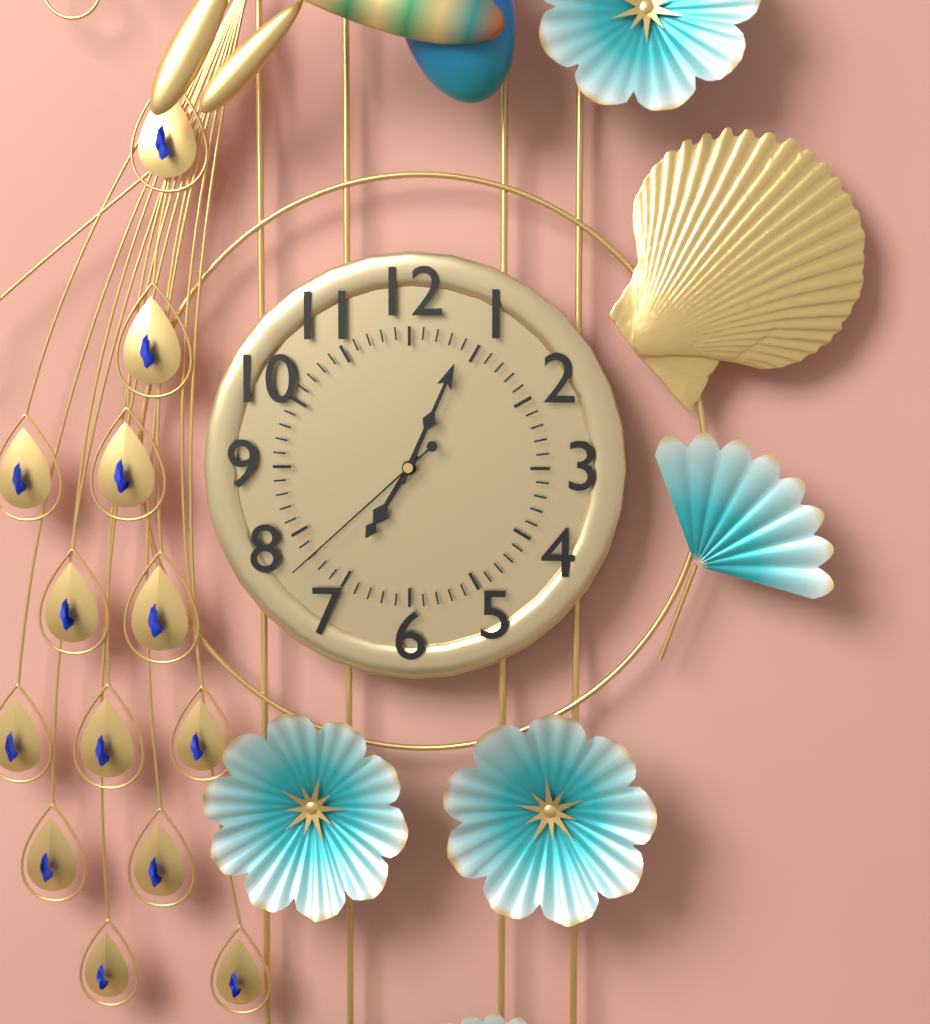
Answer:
7h04m38s
